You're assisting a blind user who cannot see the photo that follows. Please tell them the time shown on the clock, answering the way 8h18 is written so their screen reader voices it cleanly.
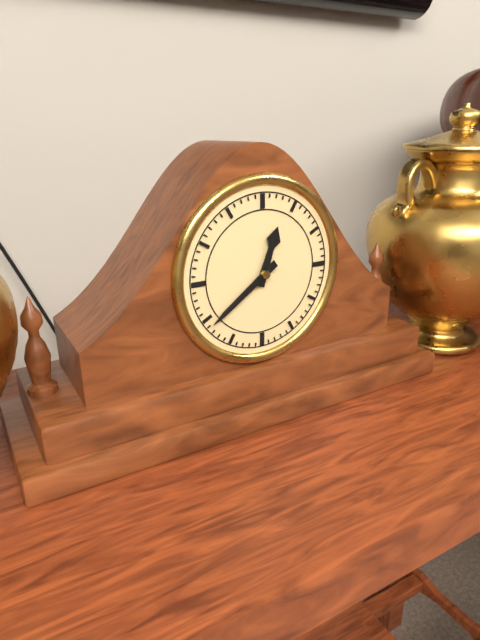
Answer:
12h39
